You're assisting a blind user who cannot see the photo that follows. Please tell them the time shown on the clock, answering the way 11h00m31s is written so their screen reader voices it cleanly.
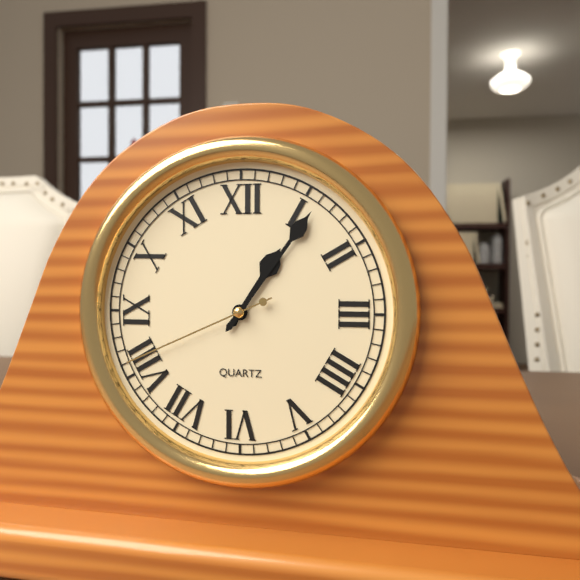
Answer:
1h06m41s
